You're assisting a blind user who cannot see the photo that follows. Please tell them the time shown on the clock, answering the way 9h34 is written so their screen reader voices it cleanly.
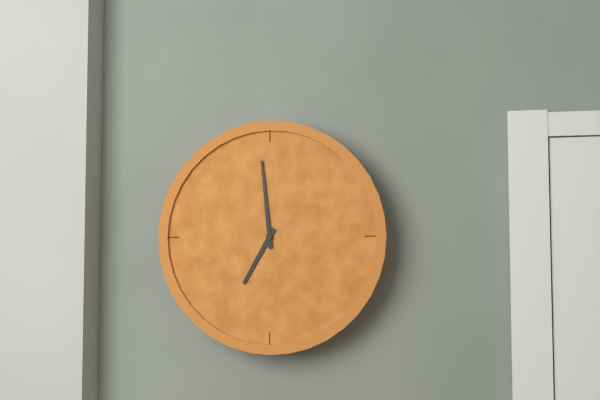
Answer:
6h59
